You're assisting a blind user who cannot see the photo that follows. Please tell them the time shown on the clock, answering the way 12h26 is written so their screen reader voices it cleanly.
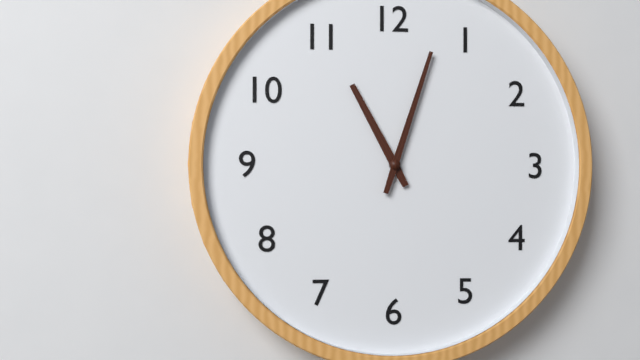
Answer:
11h03
